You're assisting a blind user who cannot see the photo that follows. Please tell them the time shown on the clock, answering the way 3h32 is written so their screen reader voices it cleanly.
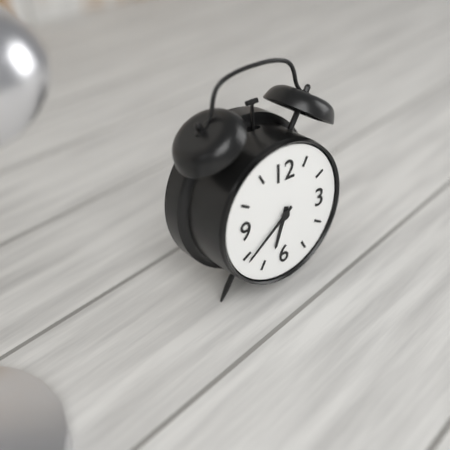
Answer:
6h39
